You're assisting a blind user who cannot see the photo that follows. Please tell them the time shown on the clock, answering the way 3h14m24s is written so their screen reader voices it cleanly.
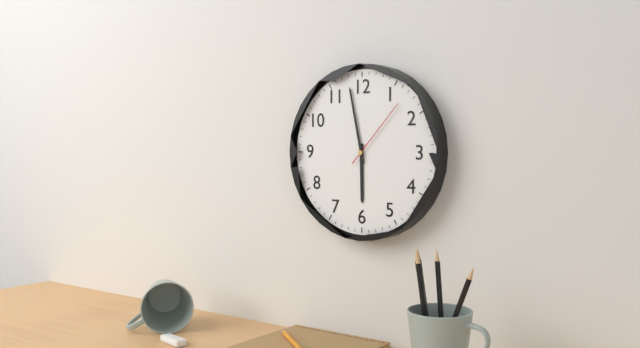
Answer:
5h58m07s
